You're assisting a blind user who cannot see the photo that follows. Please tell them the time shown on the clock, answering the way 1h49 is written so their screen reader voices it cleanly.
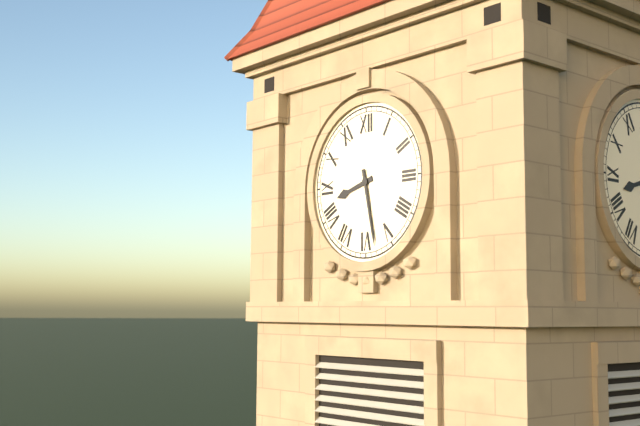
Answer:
8h28
